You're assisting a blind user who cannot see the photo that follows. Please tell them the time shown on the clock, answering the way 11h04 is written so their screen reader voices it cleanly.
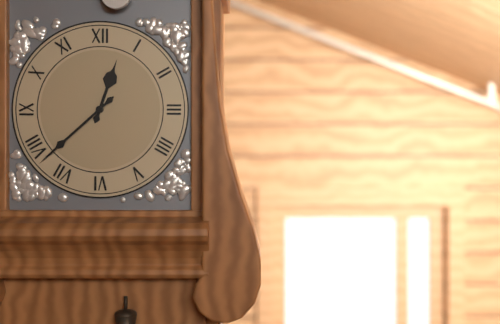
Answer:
12h38
